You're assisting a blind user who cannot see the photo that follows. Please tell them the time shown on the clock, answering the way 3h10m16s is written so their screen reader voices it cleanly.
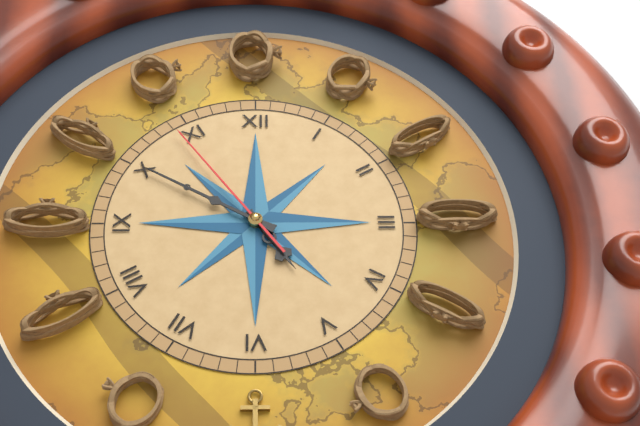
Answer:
4h50m54s
